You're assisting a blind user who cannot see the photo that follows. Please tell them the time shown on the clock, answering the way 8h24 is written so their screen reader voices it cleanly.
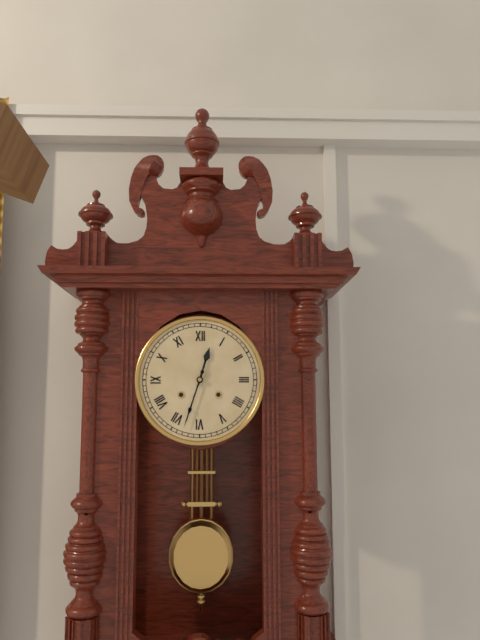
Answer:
12h33
